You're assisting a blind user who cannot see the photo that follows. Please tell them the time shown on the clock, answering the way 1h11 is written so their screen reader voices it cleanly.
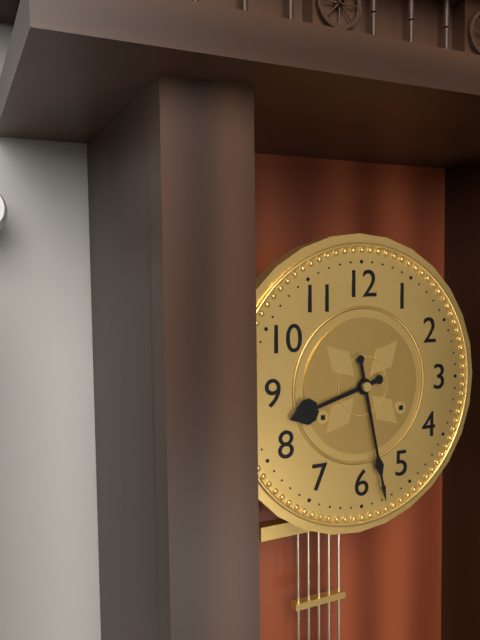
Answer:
8h28
